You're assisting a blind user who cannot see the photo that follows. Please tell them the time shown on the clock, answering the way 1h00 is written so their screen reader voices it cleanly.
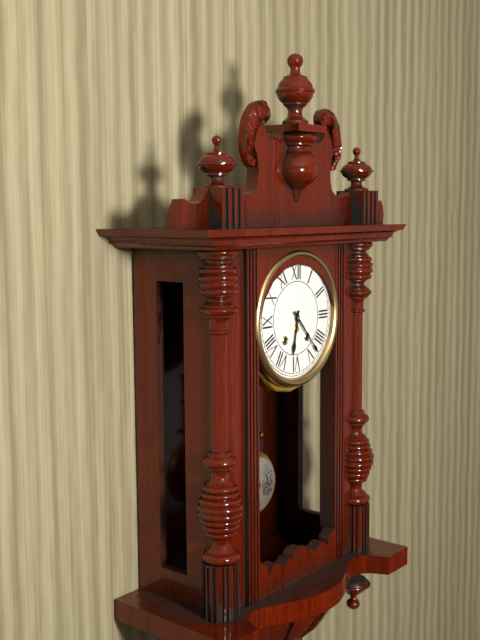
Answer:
6h23
